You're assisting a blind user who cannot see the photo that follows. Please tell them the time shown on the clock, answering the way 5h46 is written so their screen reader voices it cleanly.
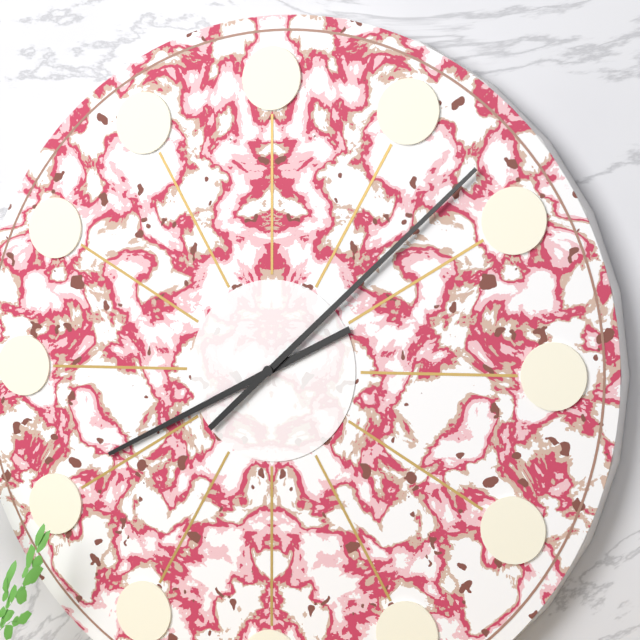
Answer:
8h08
